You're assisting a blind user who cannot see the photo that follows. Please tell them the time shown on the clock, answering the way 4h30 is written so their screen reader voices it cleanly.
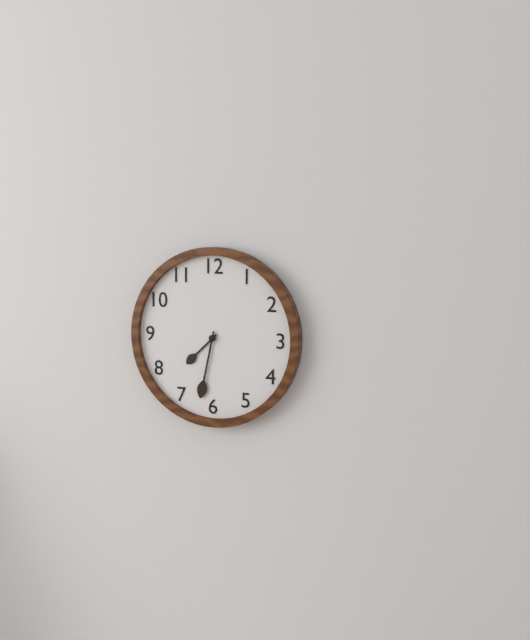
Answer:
7h32
